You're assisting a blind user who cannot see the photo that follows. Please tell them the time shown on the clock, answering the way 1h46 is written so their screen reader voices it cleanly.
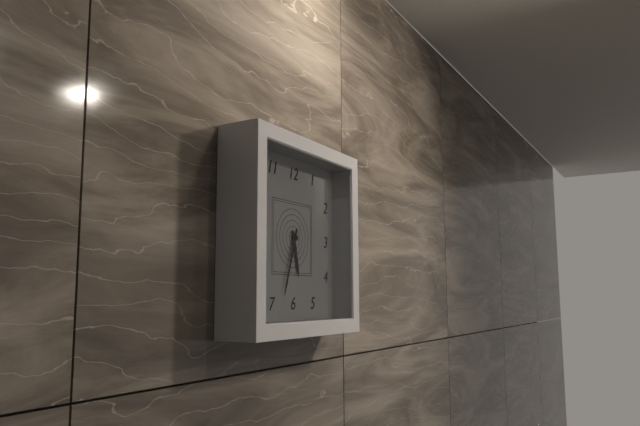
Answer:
5h33
